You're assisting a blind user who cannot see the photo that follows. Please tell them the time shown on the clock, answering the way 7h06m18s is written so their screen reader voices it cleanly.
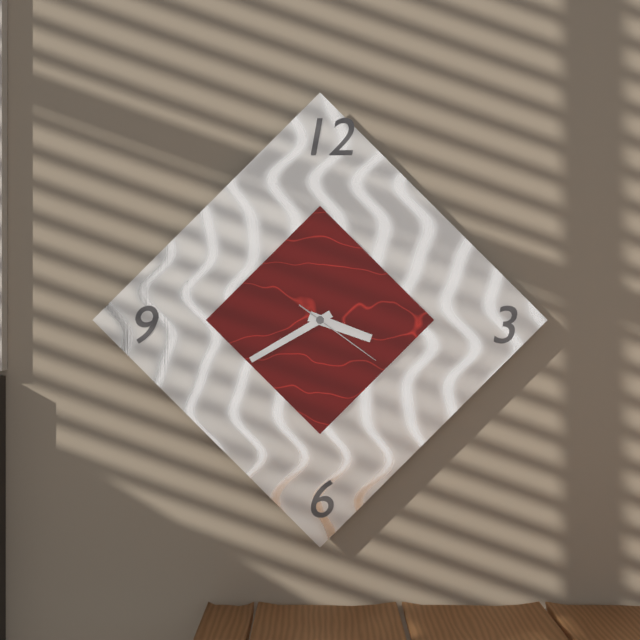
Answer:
3h40m21s
